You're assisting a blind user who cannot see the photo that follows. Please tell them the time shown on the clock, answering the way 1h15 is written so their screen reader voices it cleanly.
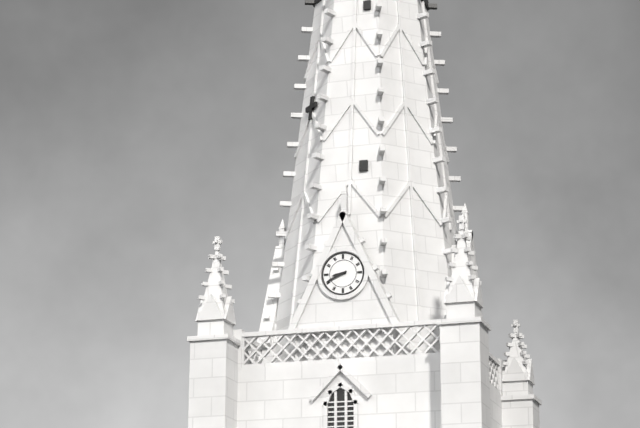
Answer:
8h41
